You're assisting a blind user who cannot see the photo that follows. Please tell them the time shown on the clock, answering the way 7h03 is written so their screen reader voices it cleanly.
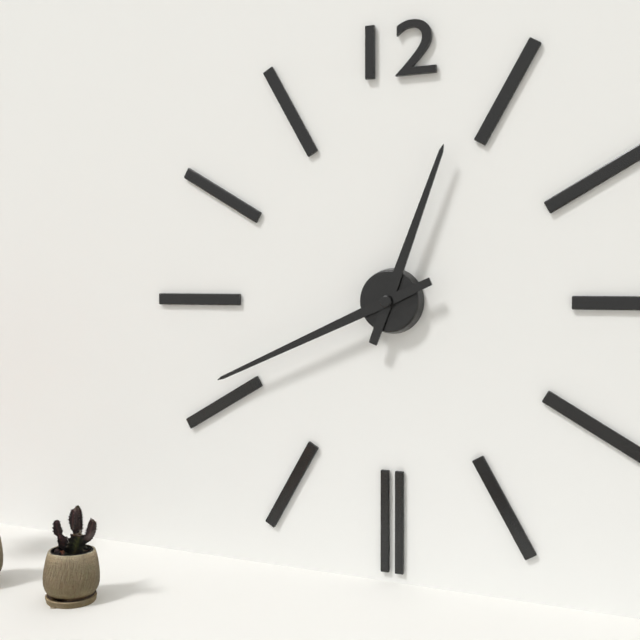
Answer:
12h41
